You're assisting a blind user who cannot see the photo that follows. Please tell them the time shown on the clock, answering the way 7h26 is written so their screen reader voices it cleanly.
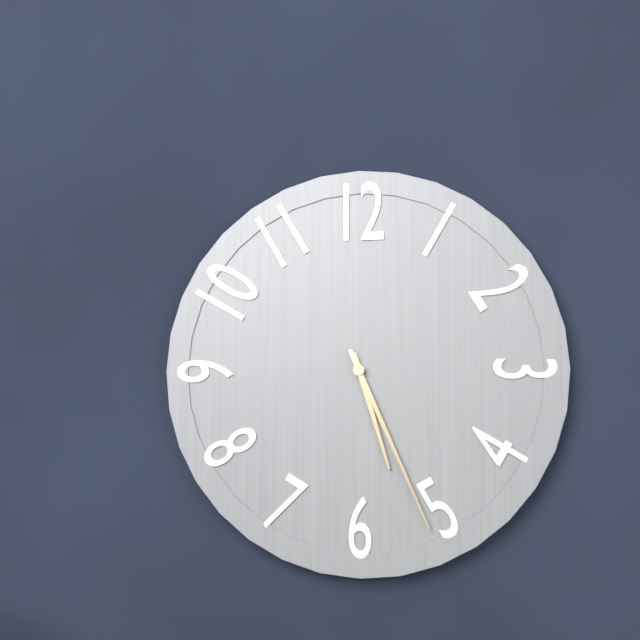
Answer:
5h26
